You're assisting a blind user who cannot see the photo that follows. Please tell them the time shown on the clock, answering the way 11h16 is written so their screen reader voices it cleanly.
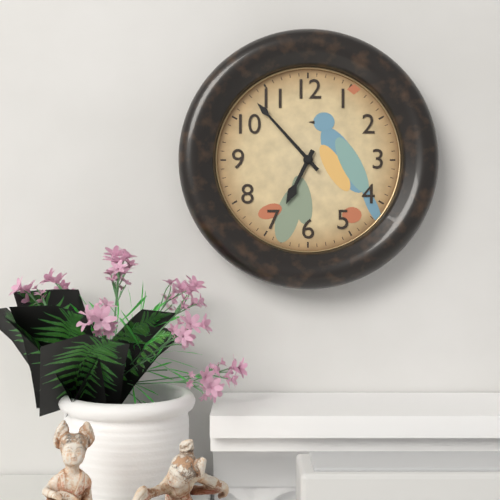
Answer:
6h53
